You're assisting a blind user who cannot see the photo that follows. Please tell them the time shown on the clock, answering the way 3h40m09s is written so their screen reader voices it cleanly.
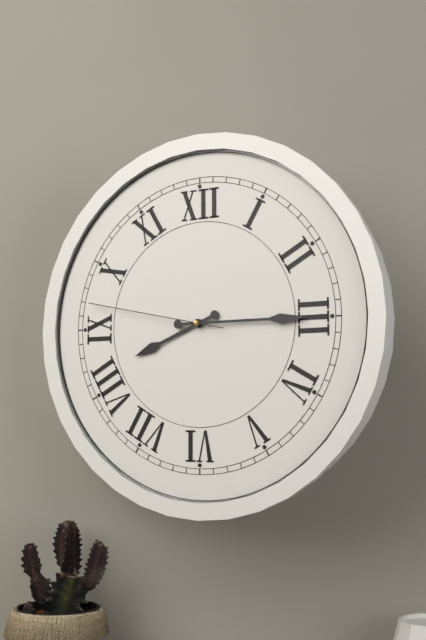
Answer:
8h15m47s
